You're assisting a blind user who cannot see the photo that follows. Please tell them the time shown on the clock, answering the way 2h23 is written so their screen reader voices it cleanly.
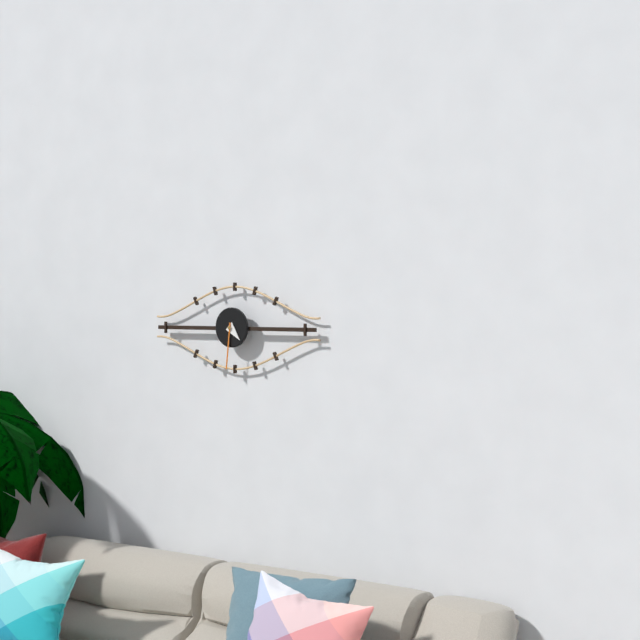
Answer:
4h31
